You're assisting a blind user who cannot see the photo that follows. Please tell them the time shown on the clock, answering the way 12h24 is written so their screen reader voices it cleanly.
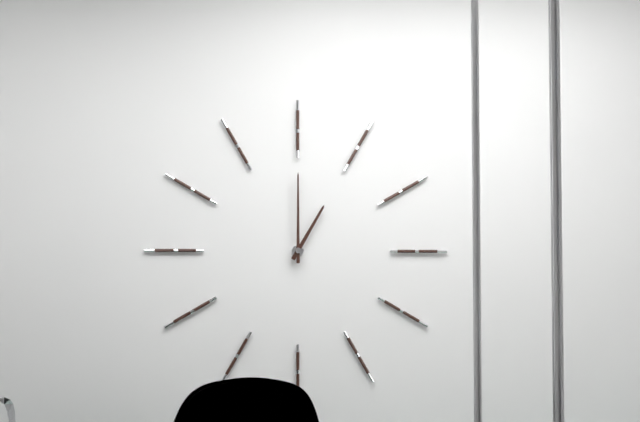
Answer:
1h00
